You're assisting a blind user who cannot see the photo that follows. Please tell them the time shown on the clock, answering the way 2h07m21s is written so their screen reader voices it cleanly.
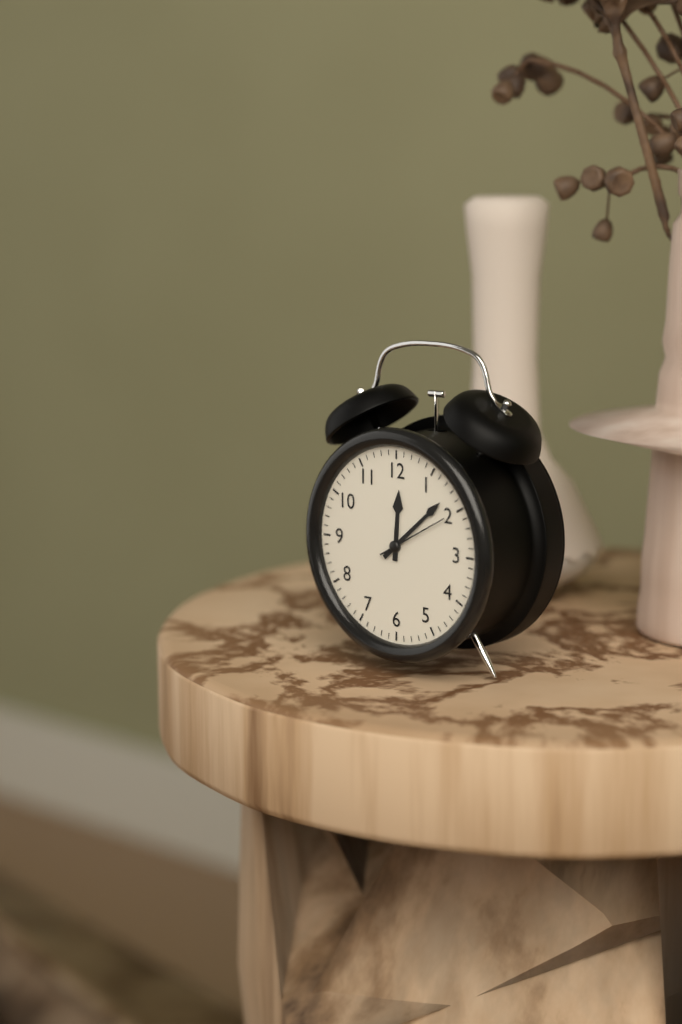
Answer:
12h08m10s
